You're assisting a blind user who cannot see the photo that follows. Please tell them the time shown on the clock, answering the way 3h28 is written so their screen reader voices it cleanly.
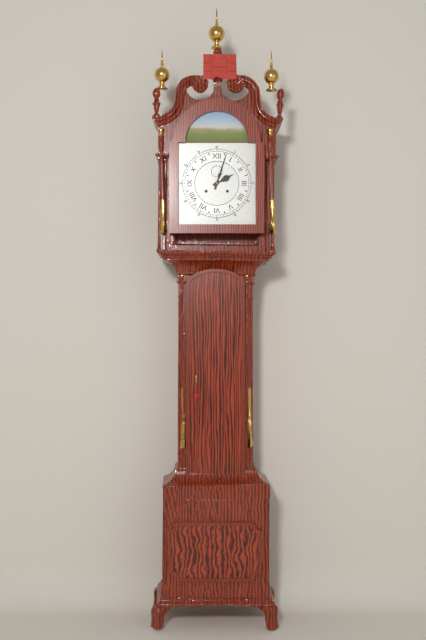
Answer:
2h03
